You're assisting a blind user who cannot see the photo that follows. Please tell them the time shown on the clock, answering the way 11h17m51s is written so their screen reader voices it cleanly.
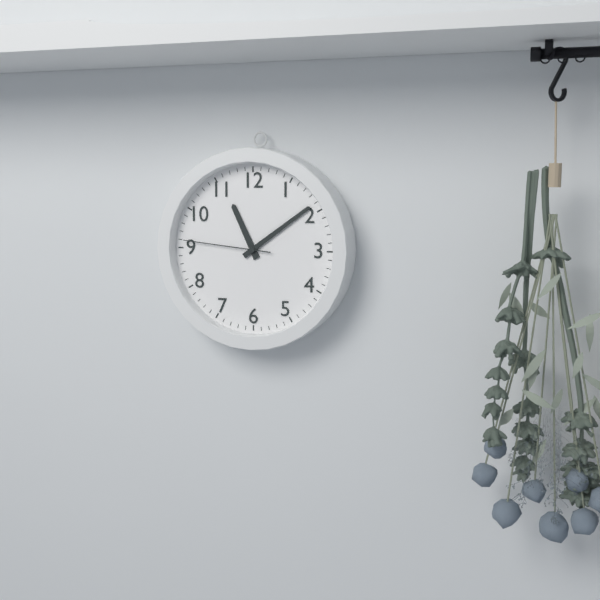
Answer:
11h09m46s
